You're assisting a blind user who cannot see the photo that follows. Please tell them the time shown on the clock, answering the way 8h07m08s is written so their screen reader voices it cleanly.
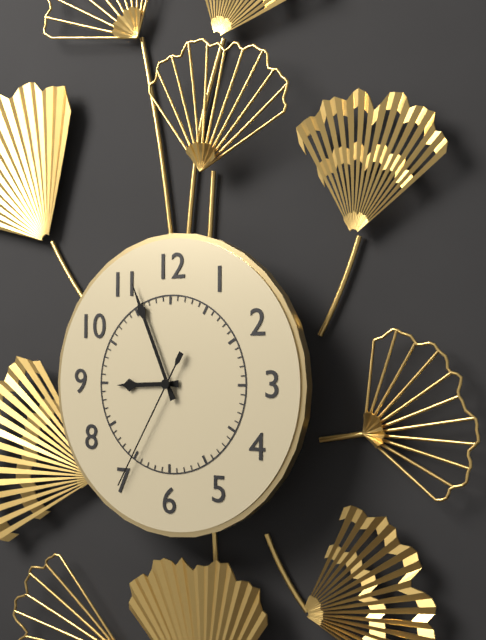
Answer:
8h56m35s
